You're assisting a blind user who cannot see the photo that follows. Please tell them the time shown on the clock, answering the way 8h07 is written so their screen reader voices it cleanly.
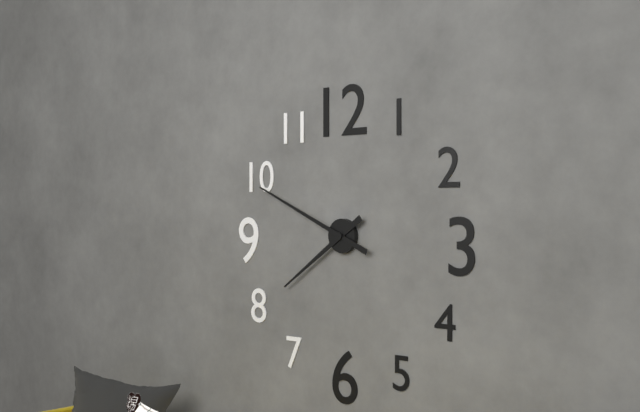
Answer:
7h49
